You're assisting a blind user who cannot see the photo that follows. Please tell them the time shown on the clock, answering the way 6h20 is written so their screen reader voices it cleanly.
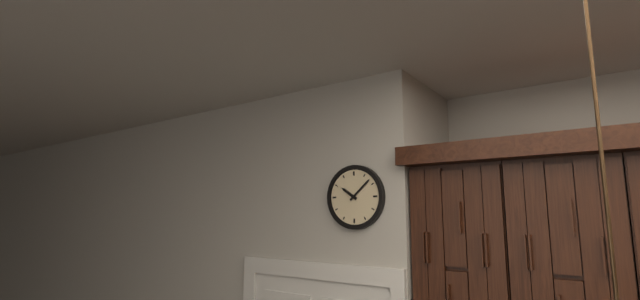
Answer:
10h08
